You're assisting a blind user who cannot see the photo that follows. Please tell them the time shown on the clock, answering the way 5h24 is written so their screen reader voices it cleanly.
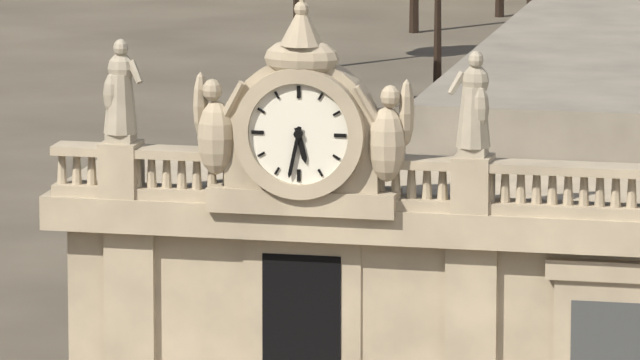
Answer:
5h32
